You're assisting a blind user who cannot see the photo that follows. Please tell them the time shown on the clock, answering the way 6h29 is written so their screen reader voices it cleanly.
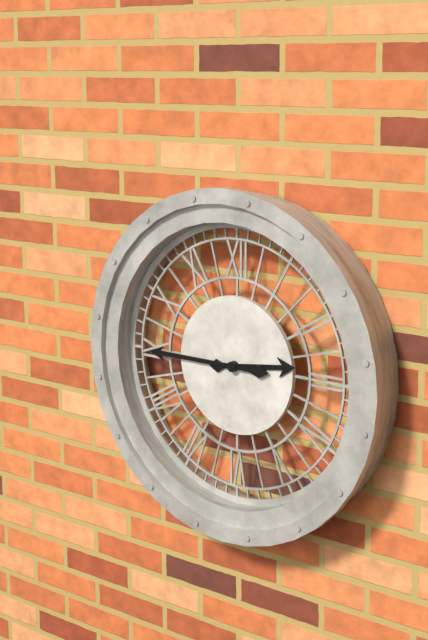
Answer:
2h45
